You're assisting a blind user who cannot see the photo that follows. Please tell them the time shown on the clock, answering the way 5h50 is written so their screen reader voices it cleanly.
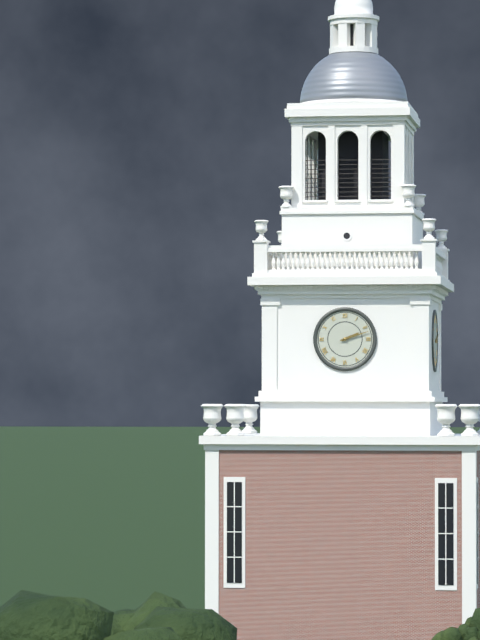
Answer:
2h12
